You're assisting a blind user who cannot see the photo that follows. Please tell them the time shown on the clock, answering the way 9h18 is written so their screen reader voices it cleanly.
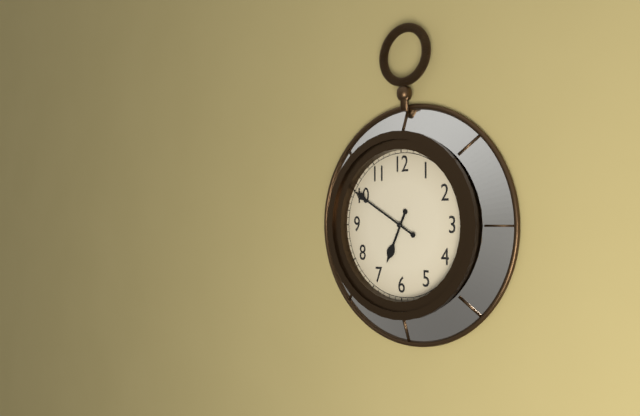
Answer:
6h50
